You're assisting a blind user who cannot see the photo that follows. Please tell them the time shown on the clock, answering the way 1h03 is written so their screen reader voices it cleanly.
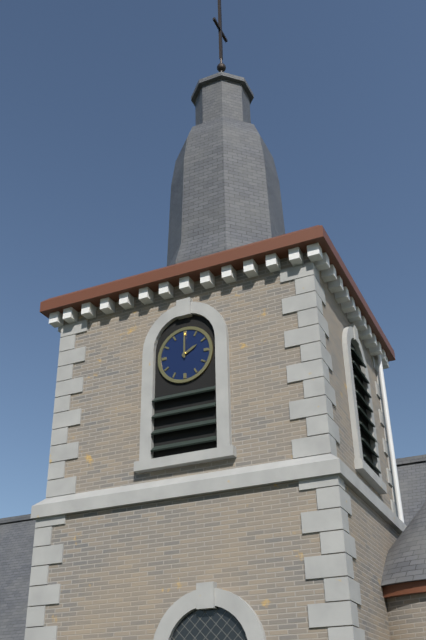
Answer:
2h00
